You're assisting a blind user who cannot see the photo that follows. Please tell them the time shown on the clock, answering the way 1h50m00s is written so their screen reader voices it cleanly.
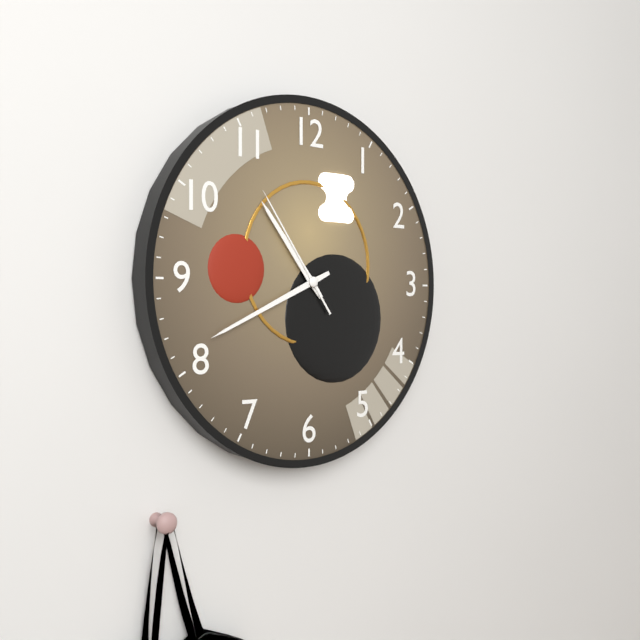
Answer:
10h41m54s
